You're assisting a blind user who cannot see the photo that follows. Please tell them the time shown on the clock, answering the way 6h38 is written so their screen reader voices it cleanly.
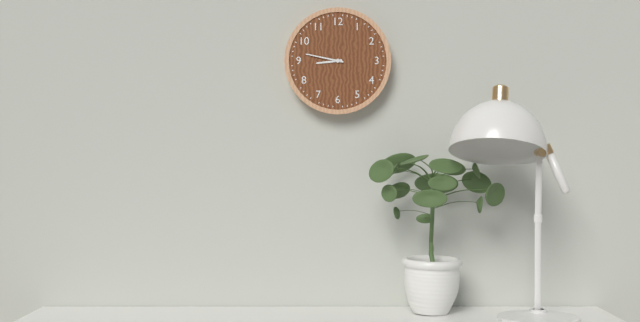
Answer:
8h47
